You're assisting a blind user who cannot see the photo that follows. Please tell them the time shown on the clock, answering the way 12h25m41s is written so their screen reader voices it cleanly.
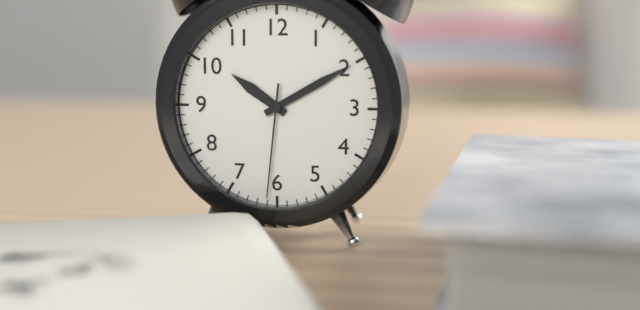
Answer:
10h10m31s
